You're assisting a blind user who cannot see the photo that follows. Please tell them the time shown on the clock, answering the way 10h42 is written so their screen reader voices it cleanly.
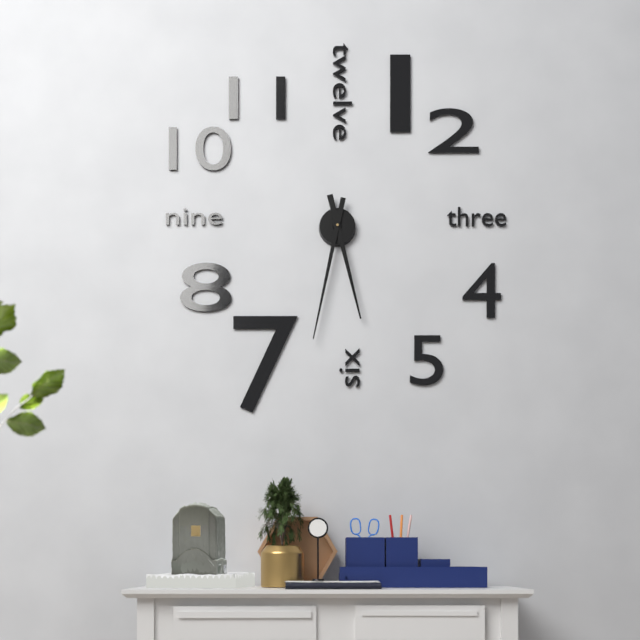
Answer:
5h32
